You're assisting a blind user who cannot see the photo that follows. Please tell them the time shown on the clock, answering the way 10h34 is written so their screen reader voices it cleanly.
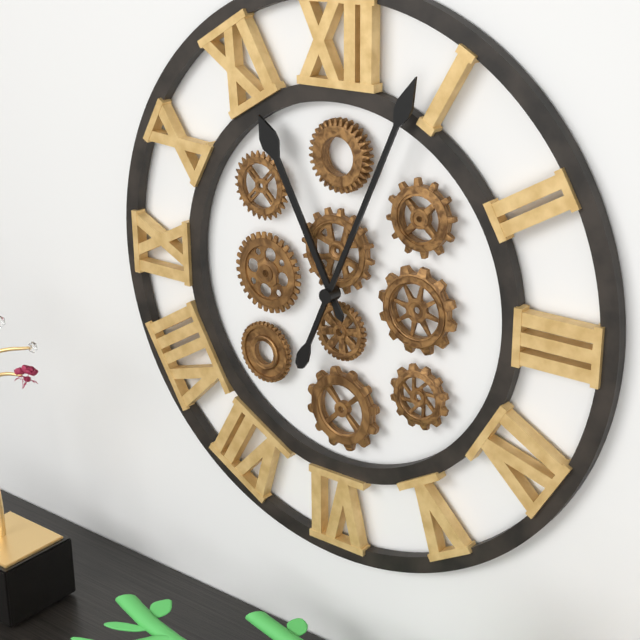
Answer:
11h04
